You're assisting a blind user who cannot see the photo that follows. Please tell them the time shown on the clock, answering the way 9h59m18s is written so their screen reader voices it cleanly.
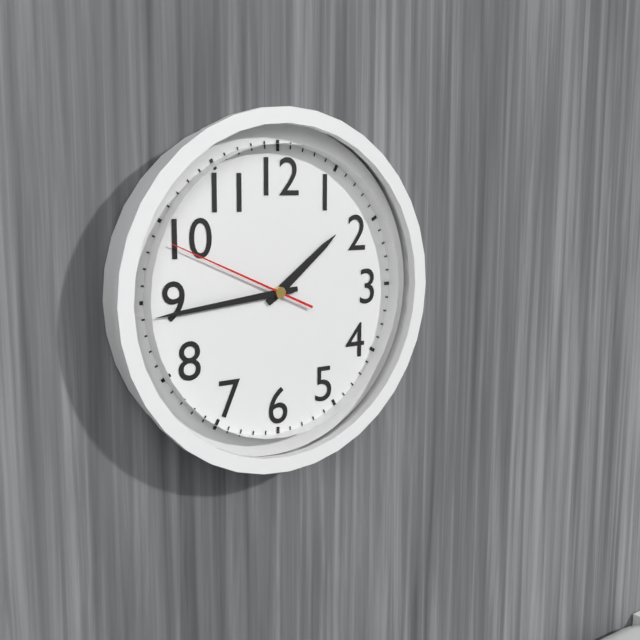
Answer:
1h44m49s
